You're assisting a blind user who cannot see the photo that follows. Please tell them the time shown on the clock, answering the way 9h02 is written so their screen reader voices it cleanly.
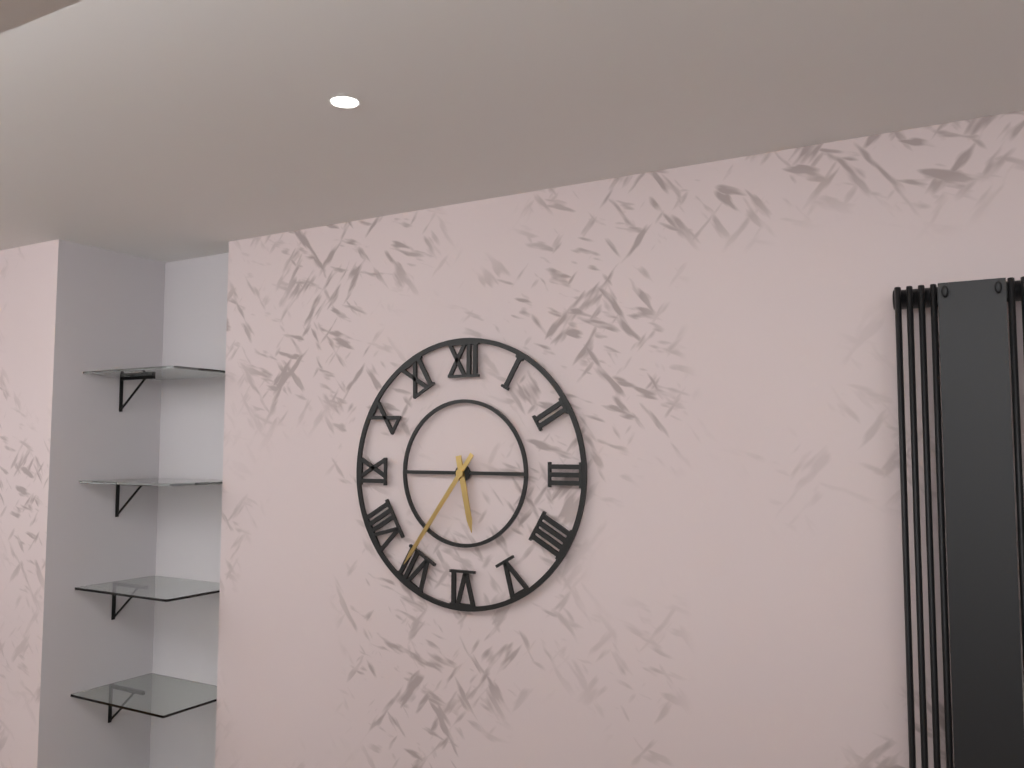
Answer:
5h36
